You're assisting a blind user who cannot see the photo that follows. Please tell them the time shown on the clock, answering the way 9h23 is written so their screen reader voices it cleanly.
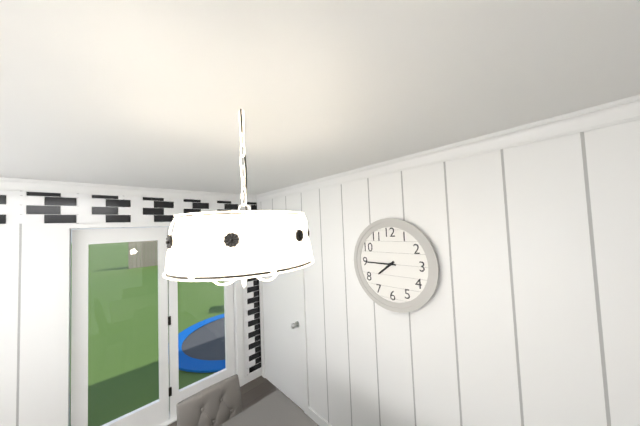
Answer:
7h45
